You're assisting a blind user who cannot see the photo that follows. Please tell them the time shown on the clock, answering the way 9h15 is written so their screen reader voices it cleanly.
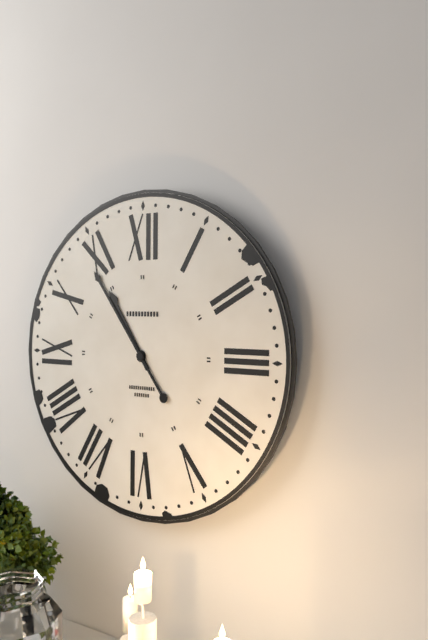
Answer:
10h54
